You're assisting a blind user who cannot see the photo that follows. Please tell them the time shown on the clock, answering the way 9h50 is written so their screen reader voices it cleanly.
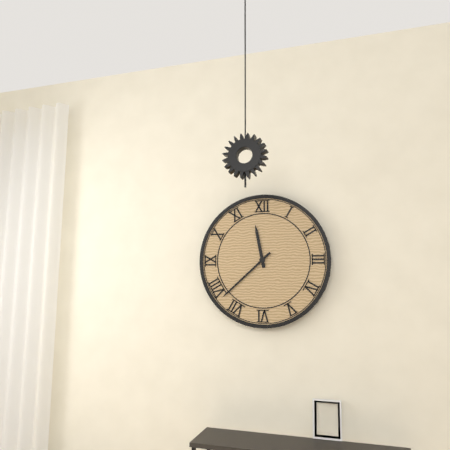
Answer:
11h38
